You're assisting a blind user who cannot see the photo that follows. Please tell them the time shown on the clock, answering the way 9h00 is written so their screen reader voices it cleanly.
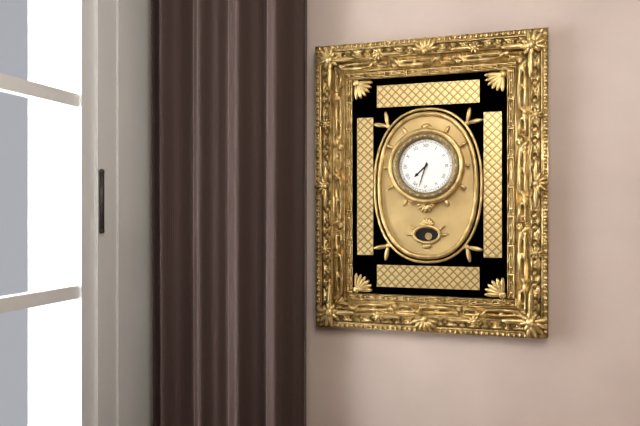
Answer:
7h33
